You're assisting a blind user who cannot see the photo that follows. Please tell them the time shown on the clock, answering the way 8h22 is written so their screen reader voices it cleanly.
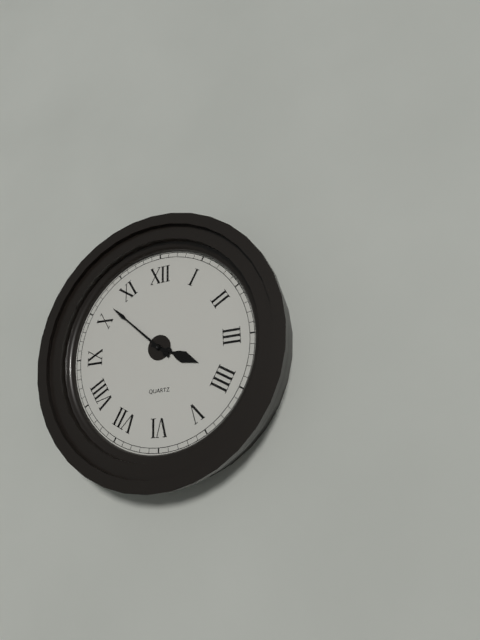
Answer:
3h52
